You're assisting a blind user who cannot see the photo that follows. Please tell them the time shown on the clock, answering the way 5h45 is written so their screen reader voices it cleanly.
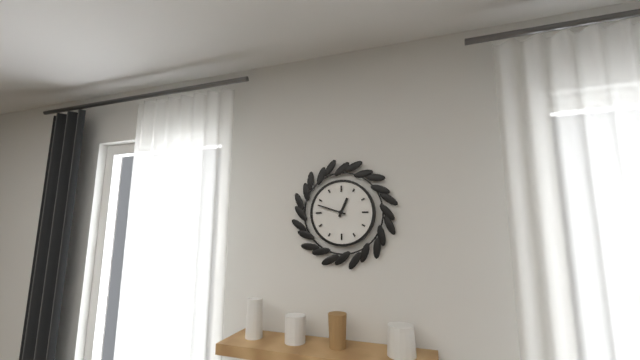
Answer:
12h48
